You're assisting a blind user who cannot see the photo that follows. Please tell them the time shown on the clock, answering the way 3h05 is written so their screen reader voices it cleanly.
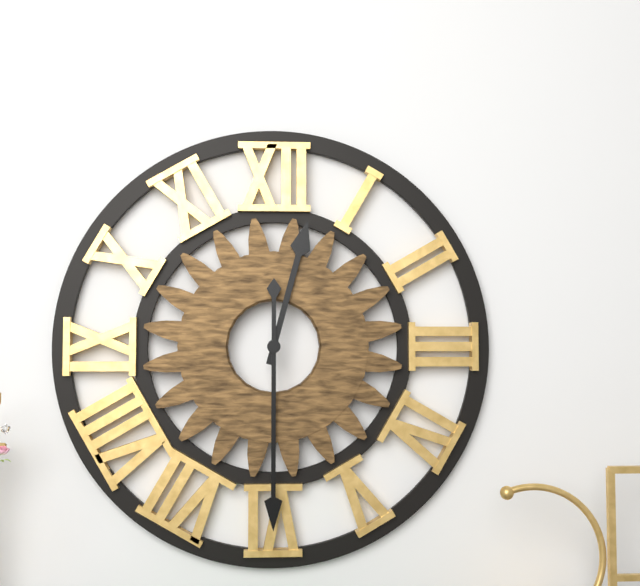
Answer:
12h30
